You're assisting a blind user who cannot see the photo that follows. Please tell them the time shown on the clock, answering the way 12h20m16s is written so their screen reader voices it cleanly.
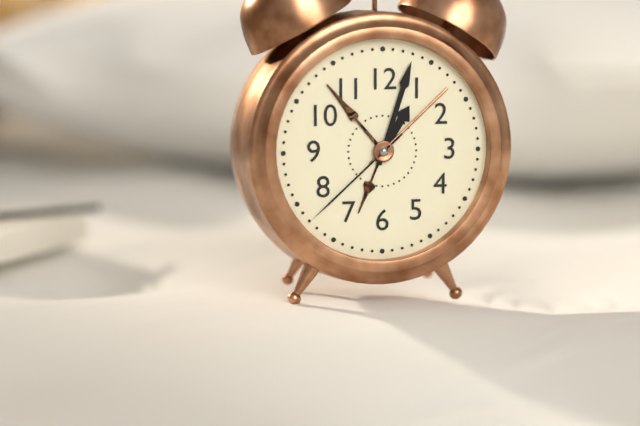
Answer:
1h03m38s
